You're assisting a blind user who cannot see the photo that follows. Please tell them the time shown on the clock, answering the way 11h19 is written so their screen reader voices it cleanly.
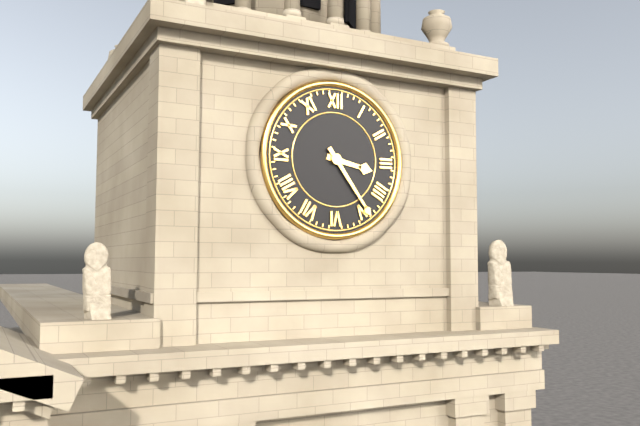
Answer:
3h24
